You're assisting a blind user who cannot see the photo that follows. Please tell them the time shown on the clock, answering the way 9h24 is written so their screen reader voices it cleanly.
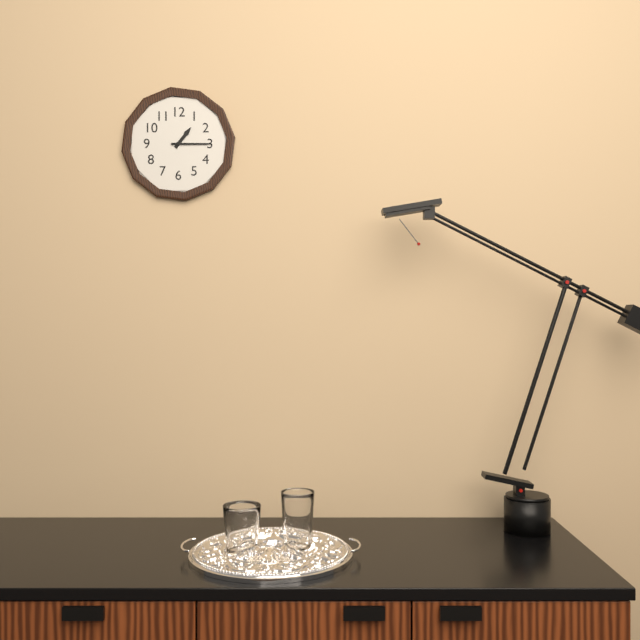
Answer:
1h15
